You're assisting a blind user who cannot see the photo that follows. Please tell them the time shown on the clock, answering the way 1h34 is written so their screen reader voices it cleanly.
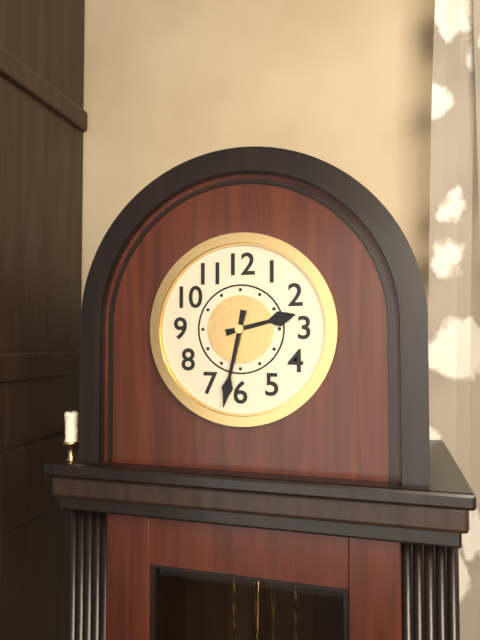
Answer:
2h32
